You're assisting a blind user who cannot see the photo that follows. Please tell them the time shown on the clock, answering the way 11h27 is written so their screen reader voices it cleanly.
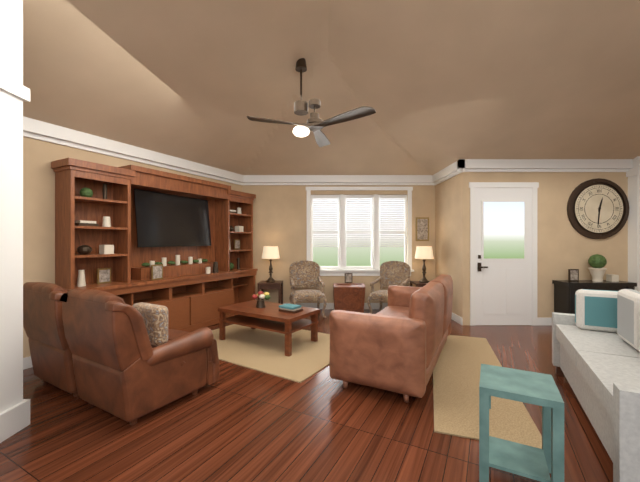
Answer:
12h31
